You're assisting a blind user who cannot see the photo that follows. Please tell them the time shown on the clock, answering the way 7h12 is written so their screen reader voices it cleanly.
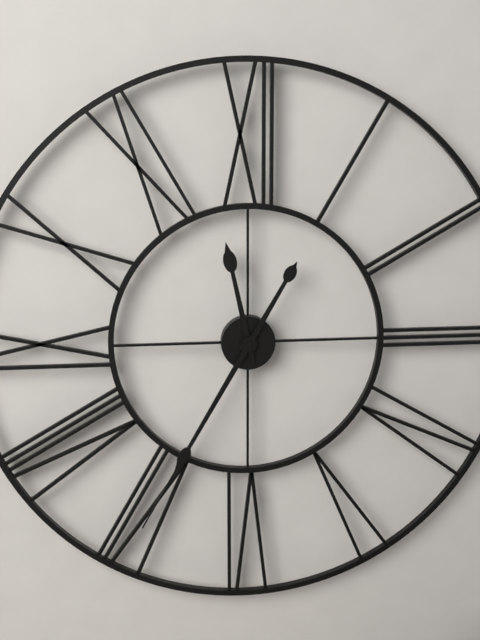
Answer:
11h35
